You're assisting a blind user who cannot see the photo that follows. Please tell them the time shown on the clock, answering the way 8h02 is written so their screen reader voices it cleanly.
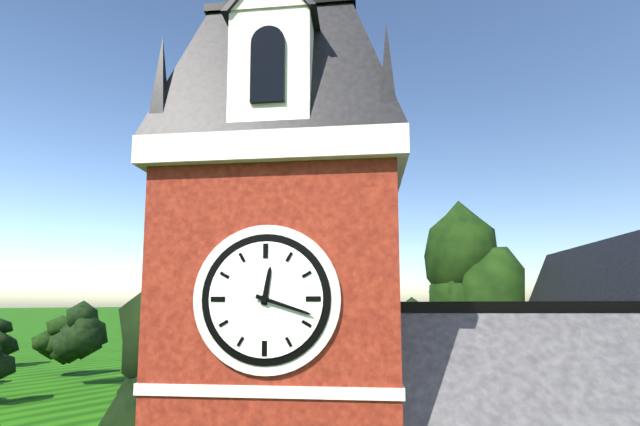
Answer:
12h18
